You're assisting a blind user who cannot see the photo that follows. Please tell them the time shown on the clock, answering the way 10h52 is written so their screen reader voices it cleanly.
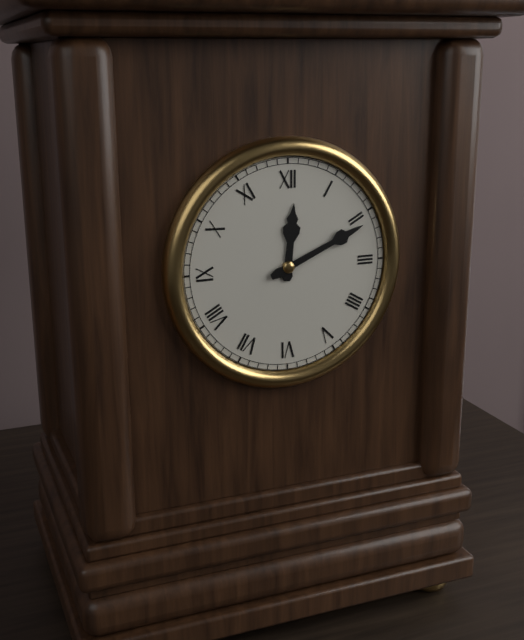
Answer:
12h11
